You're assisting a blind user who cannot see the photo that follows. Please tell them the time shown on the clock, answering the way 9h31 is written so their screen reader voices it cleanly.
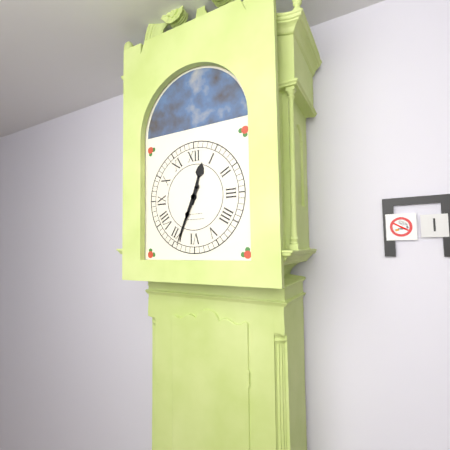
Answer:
12h34
